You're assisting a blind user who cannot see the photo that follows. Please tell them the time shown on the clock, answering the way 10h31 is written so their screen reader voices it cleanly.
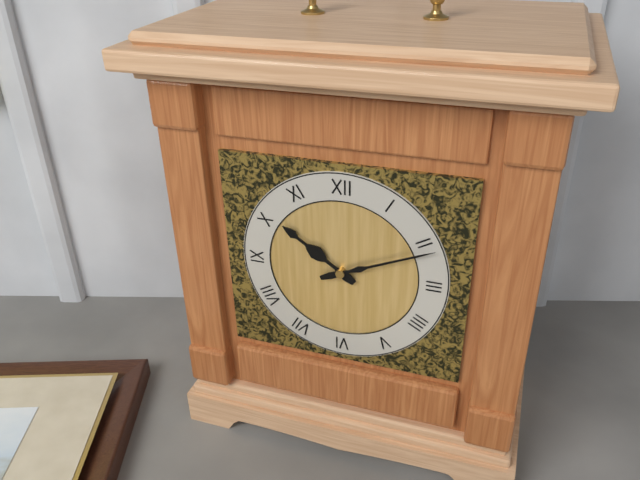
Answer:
10h11
